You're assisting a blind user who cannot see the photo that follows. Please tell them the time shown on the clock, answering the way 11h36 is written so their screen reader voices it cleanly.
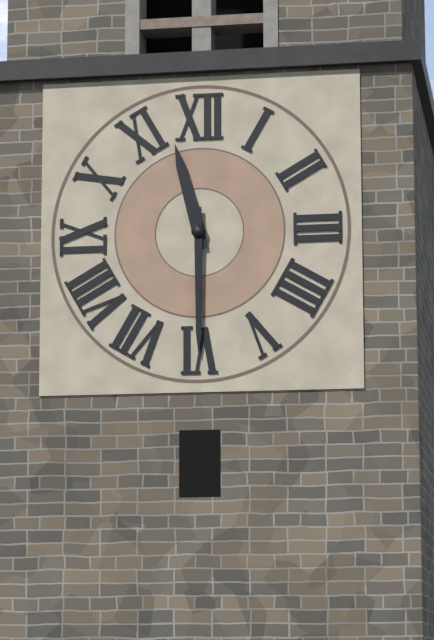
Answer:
11h30
